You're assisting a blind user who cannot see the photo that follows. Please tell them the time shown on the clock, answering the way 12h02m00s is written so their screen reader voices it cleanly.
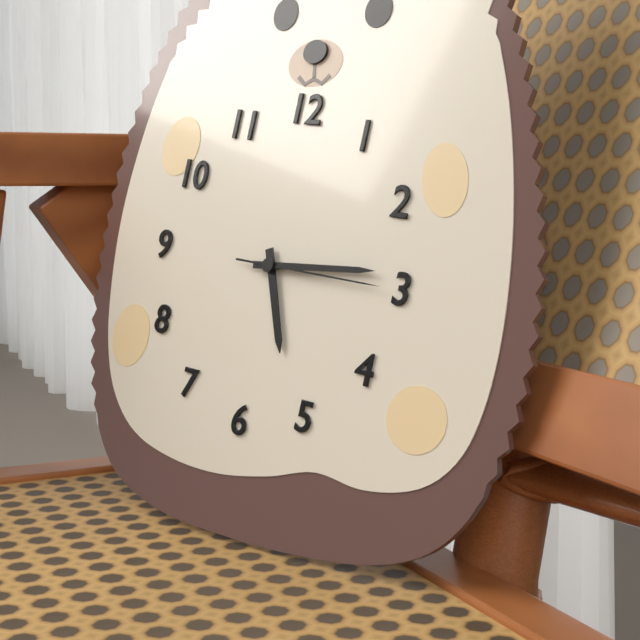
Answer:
5h14m15s
